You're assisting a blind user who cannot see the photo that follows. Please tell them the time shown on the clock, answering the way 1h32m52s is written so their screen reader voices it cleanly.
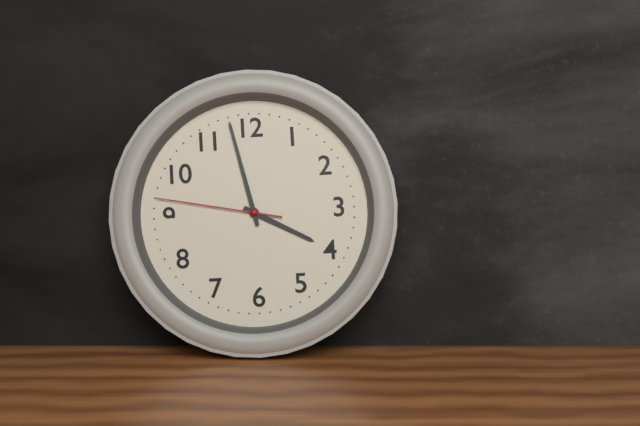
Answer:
3h58m47s
